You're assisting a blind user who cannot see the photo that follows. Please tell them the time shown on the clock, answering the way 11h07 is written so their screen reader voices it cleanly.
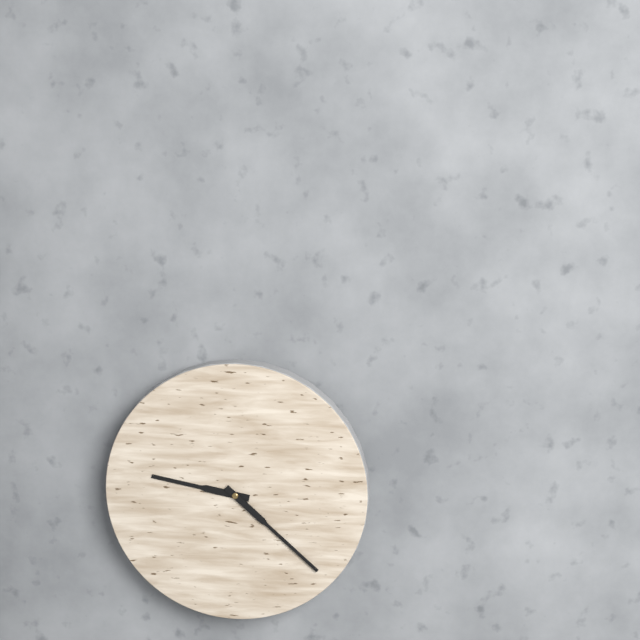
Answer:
9h22
